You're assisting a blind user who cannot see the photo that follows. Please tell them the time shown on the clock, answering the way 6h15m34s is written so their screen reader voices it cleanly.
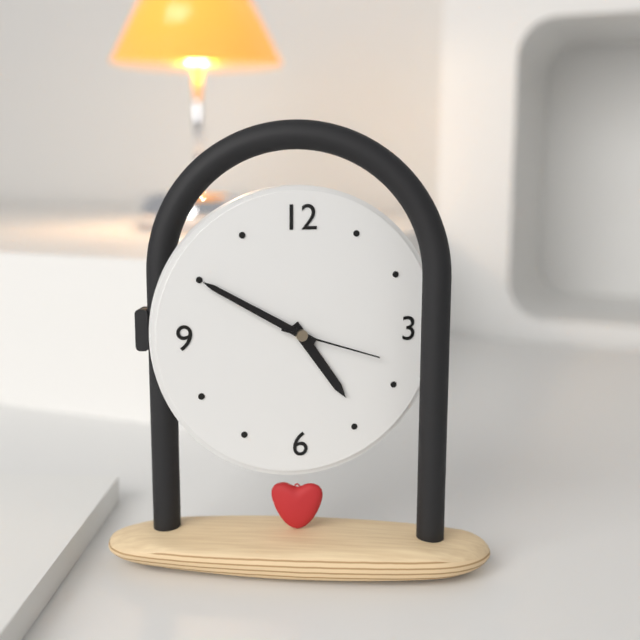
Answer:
4h50m18s
